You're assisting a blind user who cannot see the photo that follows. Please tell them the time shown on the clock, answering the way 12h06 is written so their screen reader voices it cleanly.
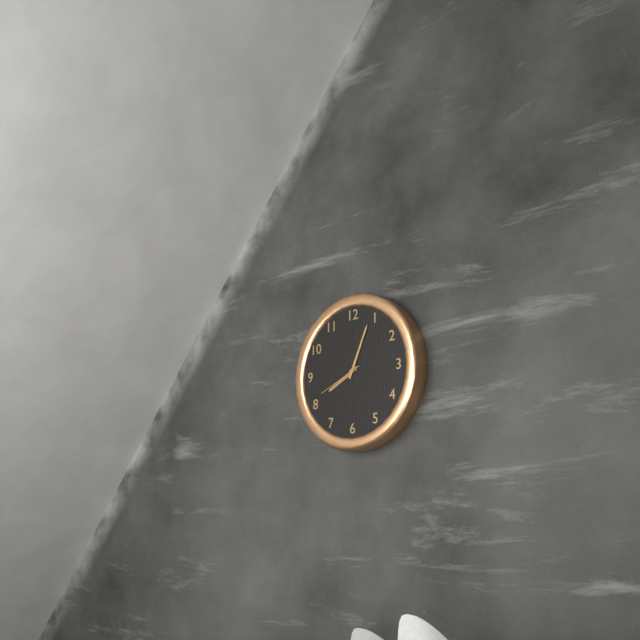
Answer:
8h04
